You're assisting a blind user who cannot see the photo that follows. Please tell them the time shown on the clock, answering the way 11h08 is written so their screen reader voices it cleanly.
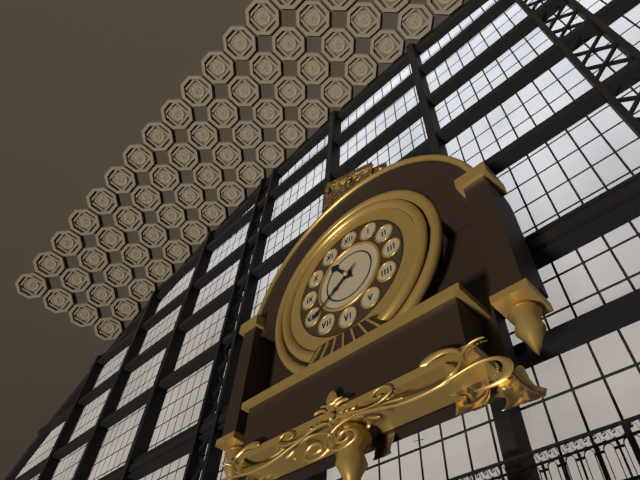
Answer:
10h39
